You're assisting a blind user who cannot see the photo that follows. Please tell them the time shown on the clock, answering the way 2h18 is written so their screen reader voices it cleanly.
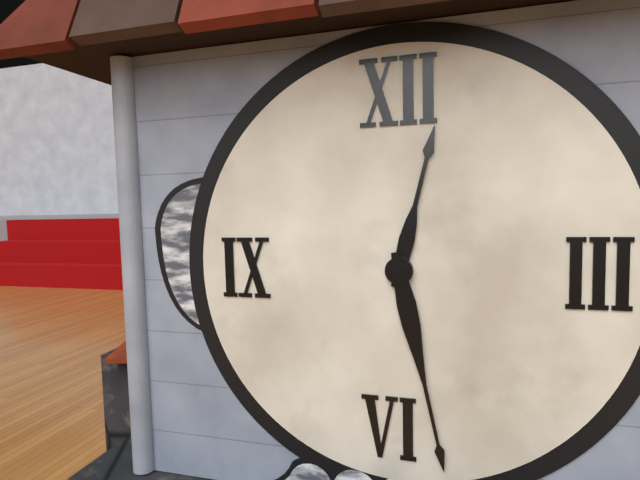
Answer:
12h28
